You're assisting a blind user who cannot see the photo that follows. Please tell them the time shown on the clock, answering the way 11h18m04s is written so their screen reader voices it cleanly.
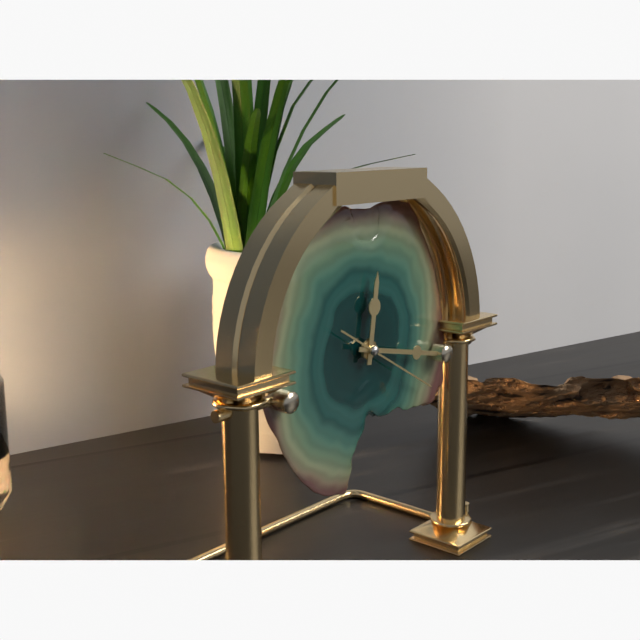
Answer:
12h17m20s
